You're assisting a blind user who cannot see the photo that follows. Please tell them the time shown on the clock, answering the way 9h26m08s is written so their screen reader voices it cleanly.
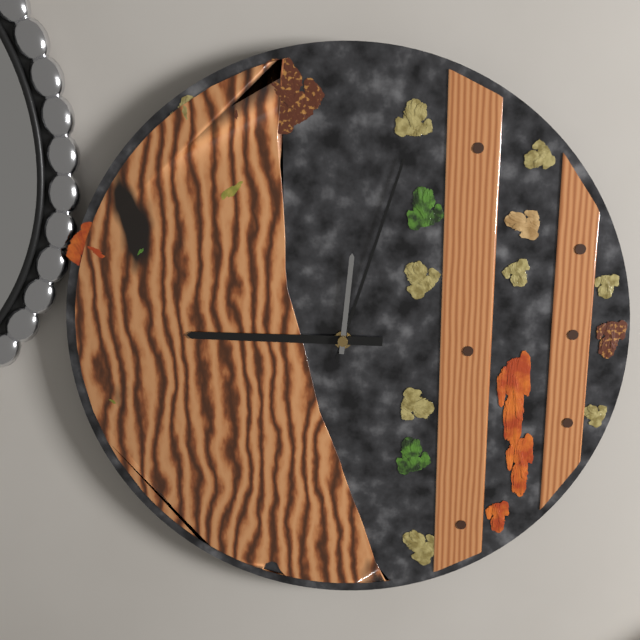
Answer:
9h03m01s
